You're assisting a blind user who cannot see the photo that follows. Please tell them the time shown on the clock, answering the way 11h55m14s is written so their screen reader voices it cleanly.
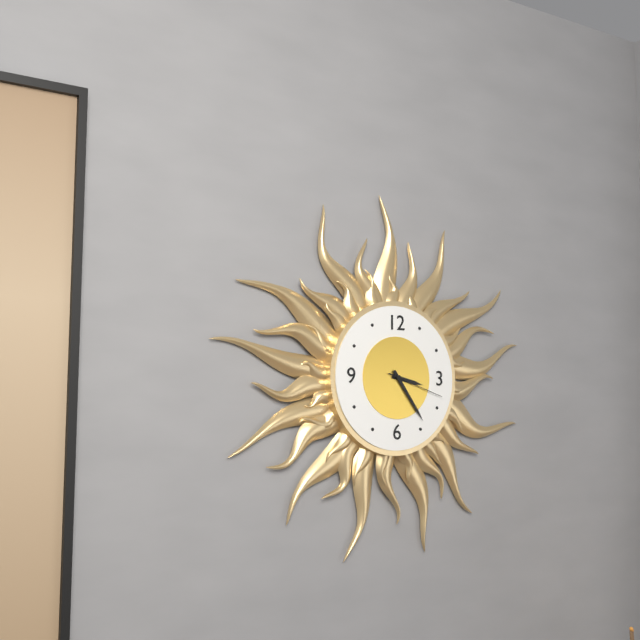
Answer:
3h24m18s
